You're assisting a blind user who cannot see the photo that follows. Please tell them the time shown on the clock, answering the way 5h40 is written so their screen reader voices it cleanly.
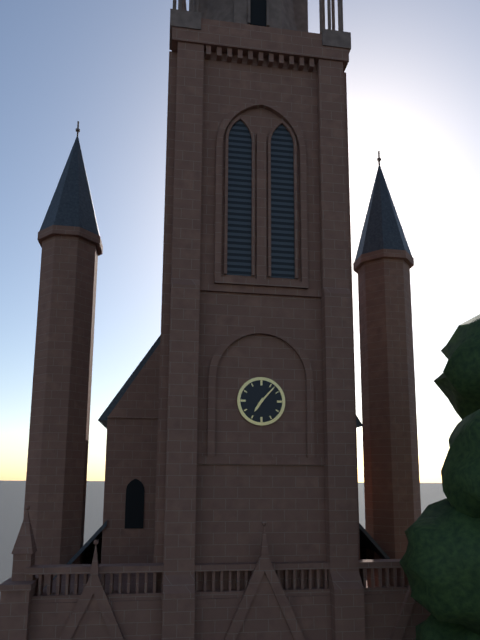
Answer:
7h07
